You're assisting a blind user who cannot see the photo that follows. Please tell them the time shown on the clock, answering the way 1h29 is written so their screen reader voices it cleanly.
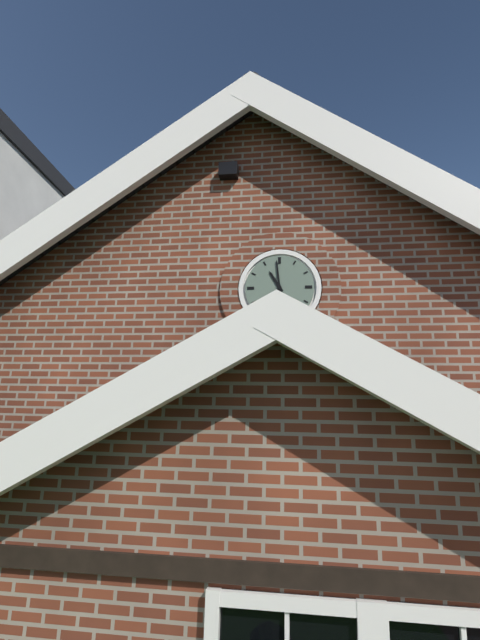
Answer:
10h59
